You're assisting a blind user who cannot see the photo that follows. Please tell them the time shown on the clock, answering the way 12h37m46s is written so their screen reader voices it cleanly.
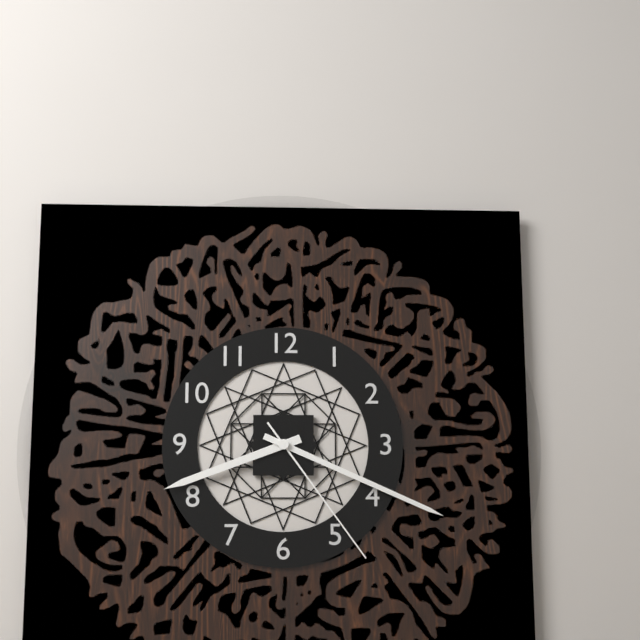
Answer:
8h19m24s
